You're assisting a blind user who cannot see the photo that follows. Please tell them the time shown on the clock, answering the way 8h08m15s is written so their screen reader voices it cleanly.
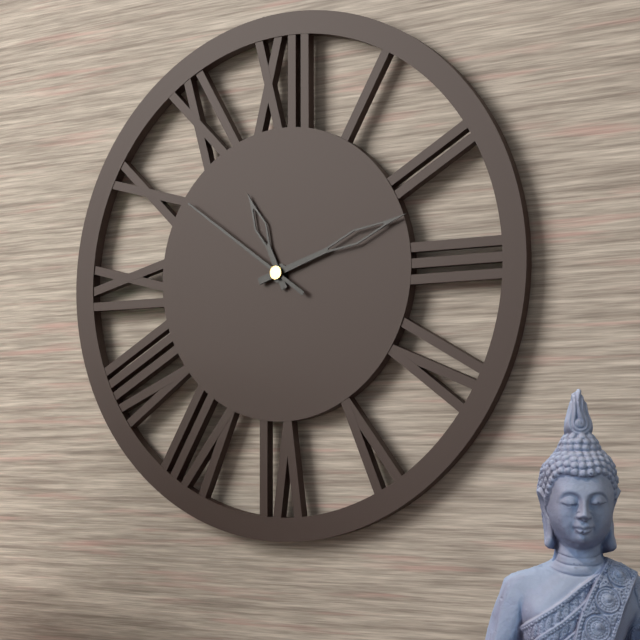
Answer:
11h12m51s
